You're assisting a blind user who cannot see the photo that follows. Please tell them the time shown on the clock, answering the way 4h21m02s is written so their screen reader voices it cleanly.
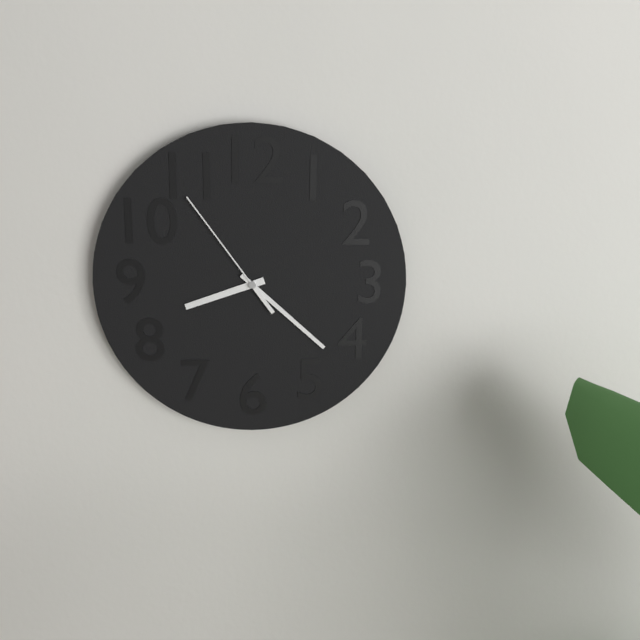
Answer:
8h22m54s
